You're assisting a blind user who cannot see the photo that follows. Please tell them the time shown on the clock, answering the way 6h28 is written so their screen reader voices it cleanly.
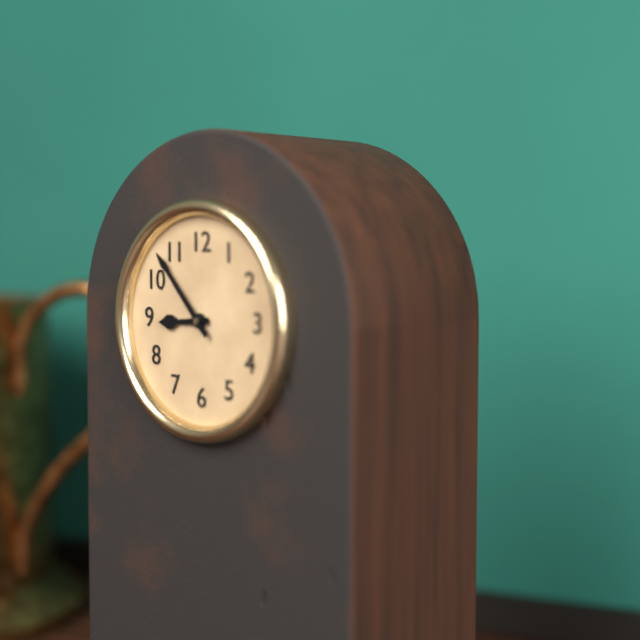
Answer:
8h53
